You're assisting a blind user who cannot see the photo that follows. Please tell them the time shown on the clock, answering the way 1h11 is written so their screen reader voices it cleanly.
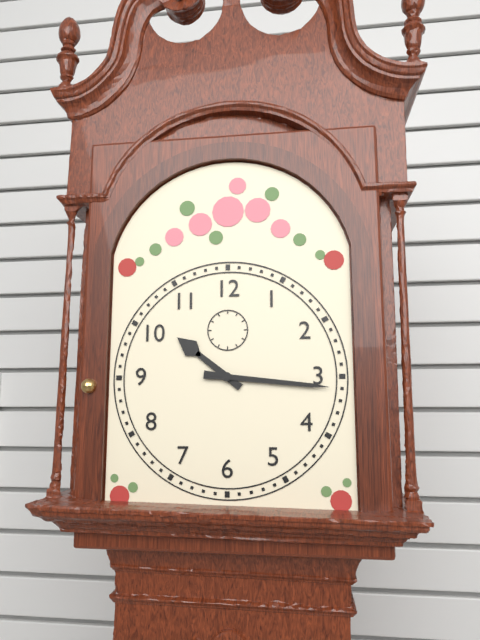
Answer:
10h16
